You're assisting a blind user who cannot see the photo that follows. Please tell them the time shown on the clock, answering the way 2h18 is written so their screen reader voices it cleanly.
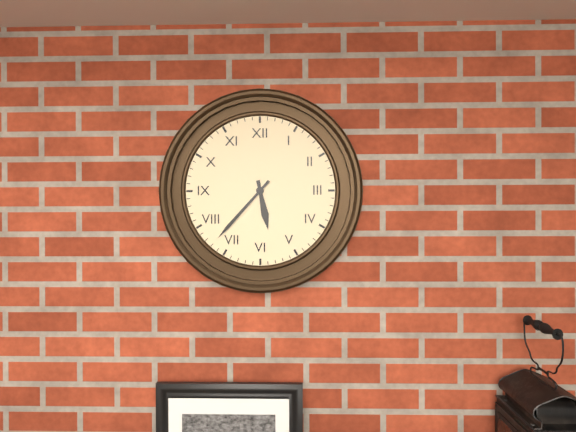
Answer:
5h37
